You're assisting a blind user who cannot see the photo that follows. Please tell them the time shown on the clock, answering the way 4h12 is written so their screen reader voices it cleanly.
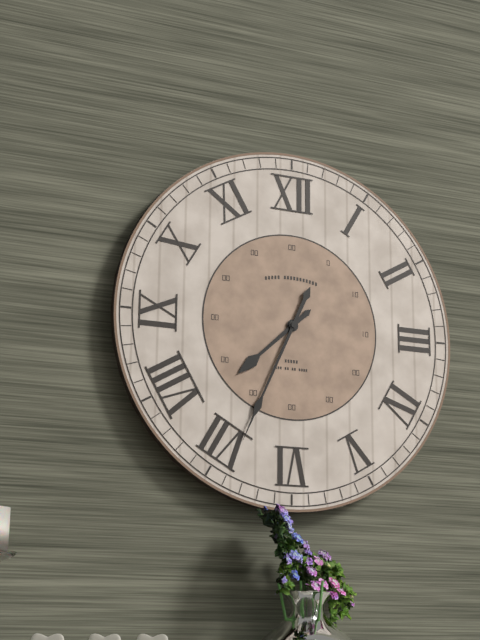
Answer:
7h34
